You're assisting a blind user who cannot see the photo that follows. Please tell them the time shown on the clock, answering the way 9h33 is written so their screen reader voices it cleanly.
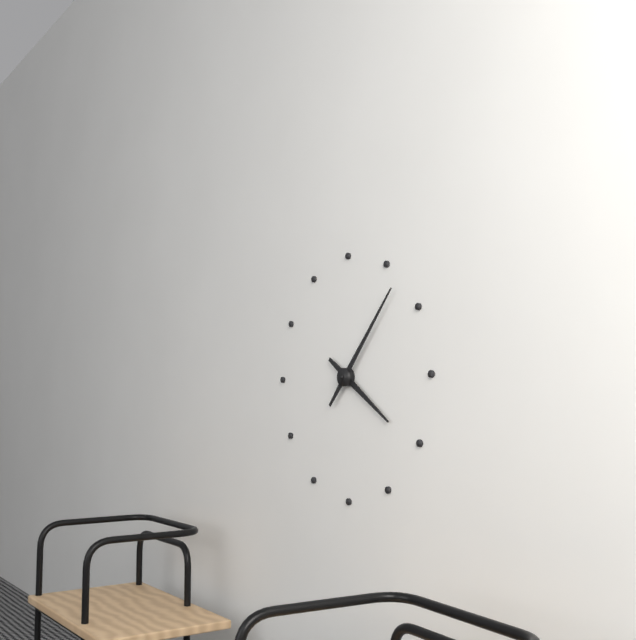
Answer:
4h07
